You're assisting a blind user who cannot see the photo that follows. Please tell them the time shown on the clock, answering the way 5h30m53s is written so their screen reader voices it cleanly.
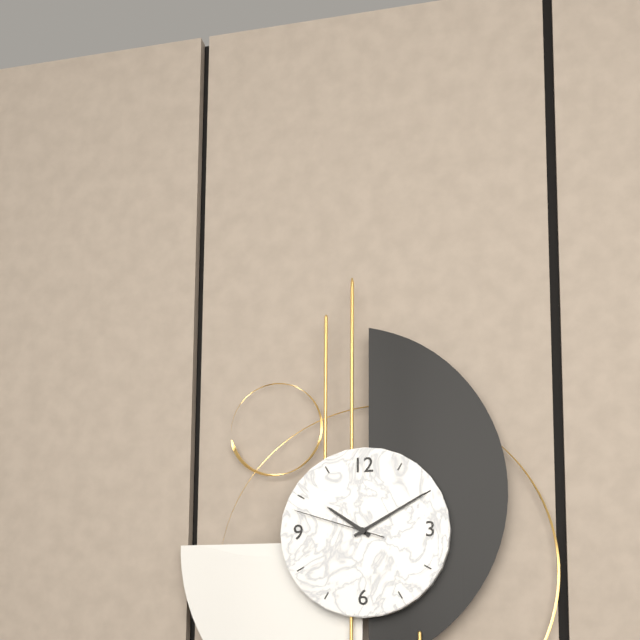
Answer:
10h10m48s
